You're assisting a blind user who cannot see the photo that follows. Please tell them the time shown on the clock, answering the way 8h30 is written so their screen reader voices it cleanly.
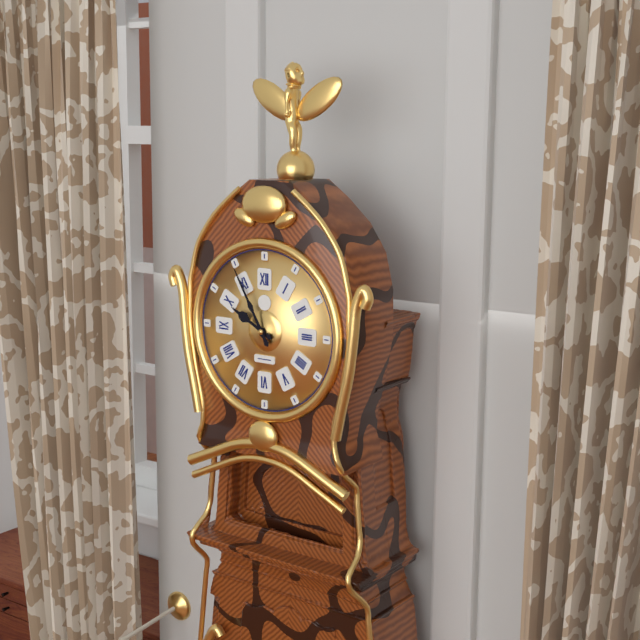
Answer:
9h55
